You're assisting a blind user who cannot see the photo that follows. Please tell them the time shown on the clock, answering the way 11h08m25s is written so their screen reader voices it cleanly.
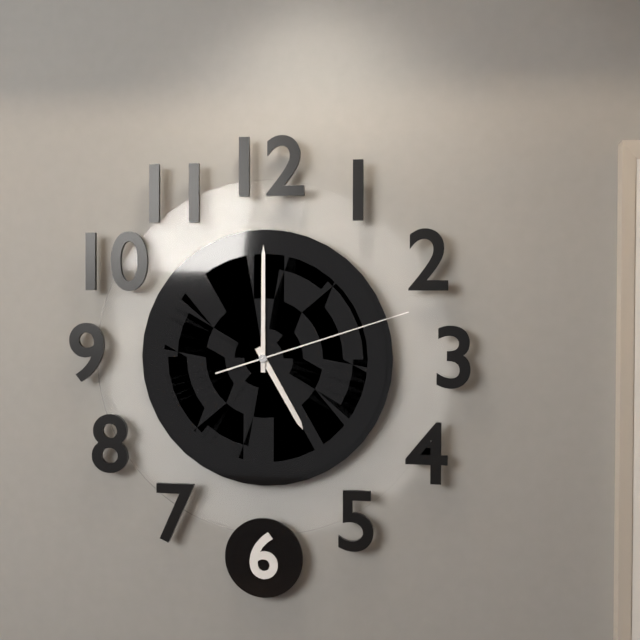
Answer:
5h00m12s
